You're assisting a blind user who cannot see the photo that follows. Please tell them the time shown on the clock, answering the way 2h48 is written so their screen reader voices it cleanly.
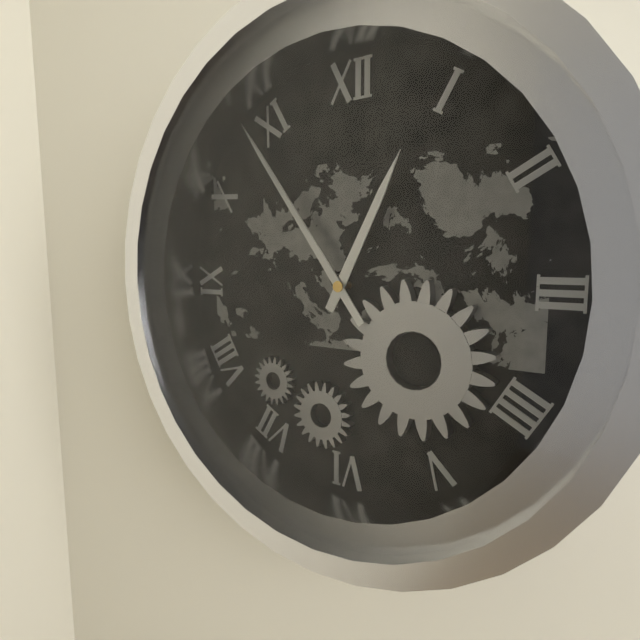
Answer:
12h54
